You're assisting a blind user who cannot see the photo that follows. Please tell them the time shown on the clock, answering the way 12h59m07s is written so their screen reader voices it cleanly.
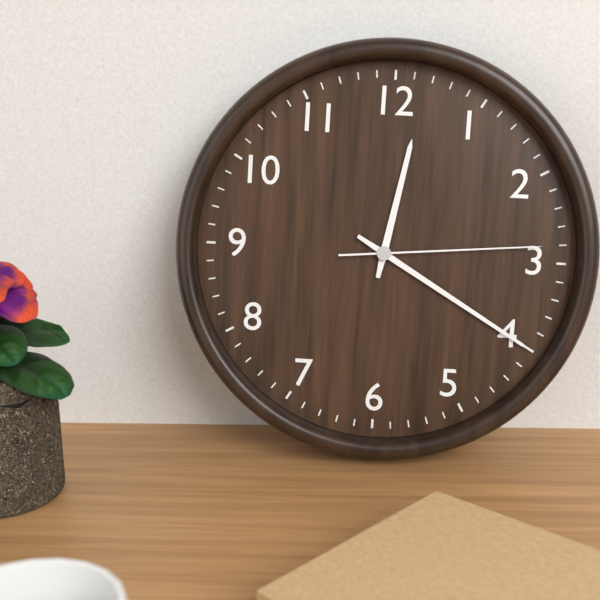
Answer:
12h20m14s
